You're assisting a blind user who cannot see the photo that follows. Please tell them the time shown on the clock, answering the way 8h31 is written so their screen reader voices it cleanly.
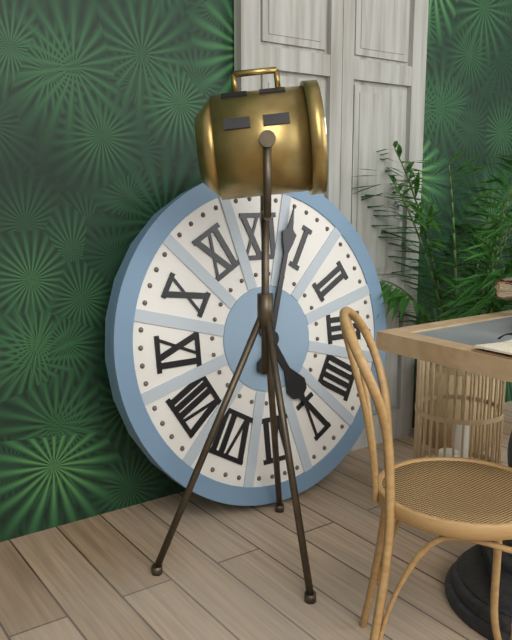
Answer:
5h03
